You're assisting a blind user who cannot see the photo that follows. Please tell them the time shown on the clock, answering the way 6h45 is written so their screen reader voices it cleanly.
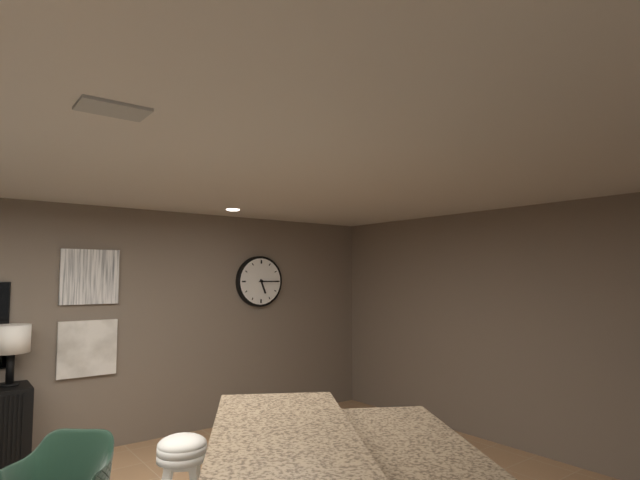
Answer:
5h15
